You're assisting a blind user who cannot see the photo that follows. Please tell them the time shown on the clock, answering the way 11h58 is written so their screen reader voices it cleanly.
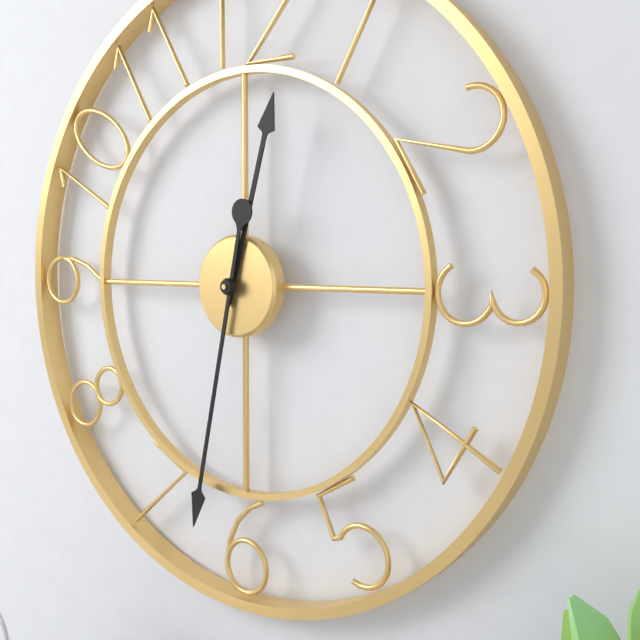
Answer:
12h32
